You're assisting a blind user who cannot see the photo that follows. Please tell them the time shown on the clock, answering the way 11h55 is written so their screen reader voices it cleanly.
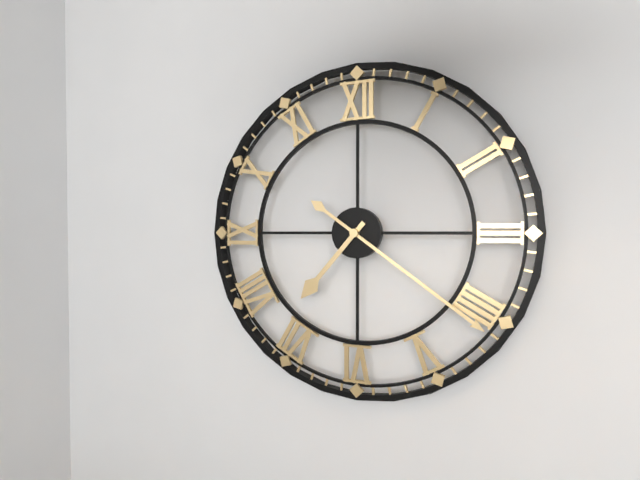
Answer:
7h21
